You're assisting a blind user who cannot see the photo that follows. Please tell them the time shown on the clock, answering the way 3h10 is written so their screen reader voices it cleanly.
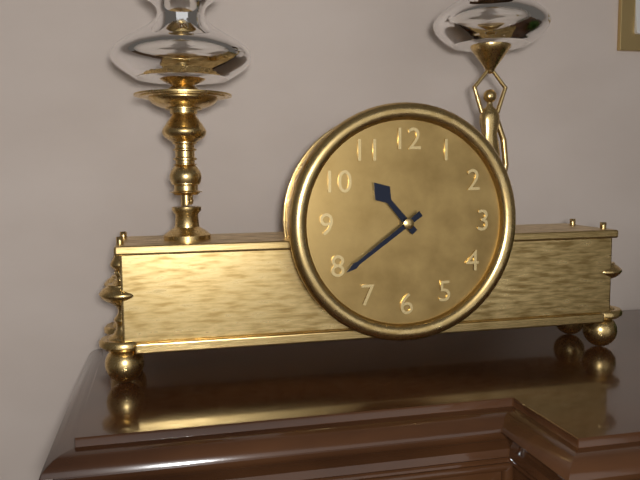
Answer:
10h39
